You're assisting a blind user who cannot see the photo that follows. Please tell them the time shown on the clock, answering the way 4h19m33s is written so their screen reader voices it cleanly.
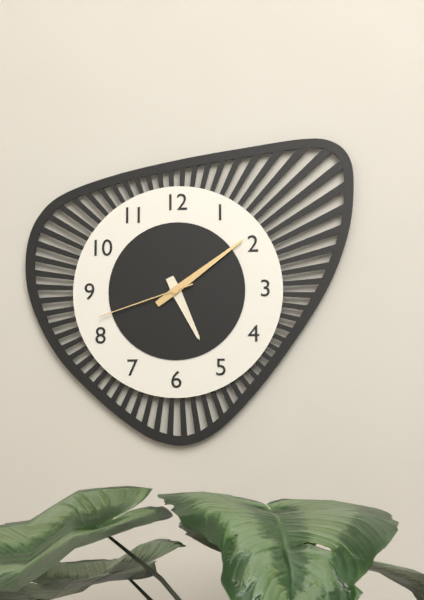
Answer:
5h09m42s
